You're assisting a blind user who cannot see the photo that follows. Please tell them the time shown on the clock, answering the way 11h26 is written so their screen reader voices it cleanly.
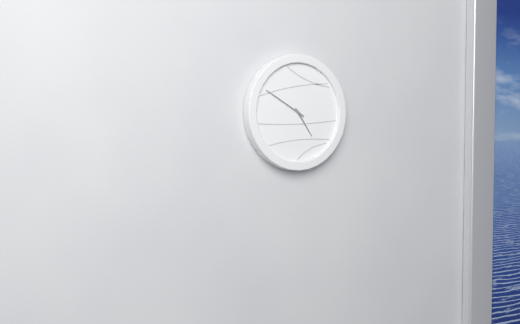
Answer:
4h50
